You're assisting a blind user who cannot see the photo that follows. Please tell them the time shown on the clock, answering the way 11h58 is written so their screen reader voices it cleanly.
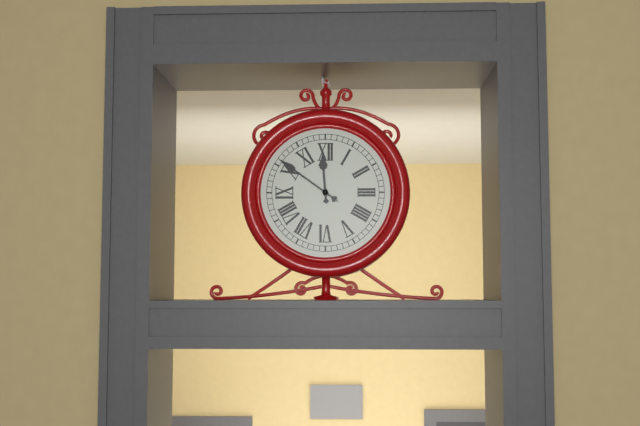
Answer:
11h51
